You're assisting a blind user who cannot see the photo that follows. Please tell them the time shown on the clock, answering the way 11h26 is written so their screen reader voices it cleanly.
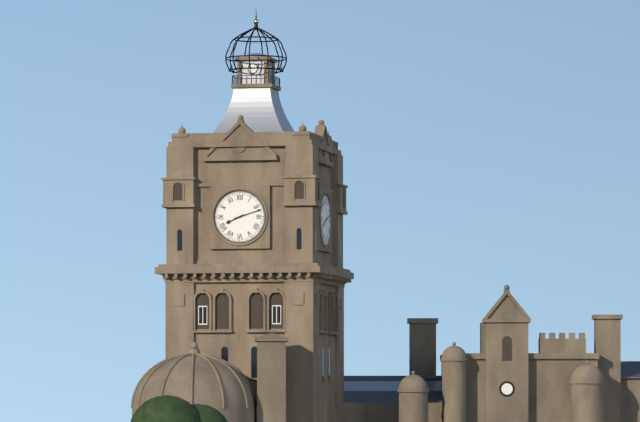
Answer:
8h12
